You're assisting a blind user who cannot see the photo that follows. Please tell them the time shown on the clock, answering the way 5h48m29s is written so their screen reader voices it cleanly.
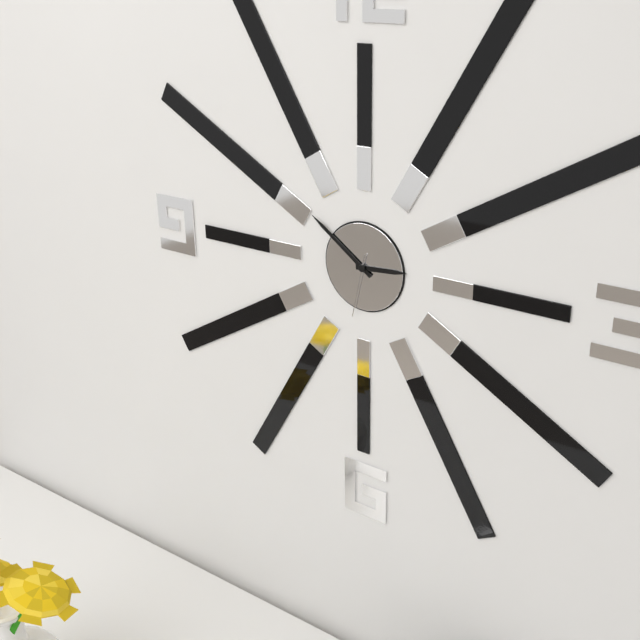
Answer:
2h51m32s
